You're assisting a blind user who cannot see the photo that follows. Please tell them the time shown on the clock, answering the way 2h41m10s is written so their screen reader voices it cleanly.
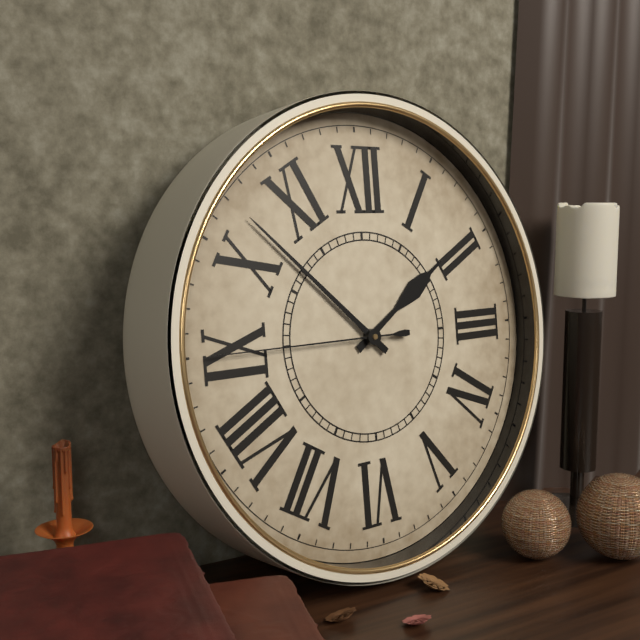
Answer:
1h52m45s
